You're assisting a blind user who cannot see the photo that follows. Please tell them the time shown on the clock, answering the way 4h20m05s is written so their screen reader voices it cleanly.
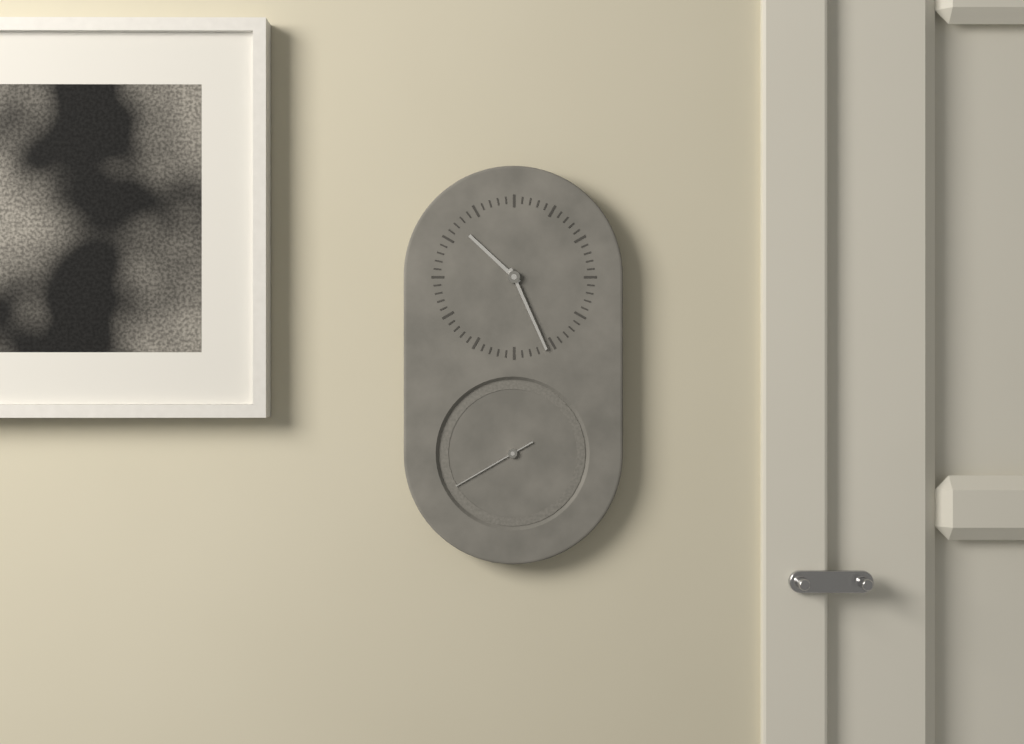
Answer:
10h26m40s
